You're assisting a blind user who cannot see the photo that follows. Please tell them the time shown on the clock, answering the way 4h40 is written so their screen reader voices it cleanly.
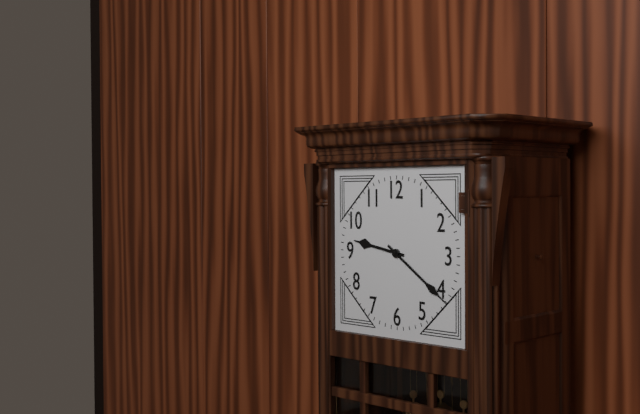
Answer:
9h21
